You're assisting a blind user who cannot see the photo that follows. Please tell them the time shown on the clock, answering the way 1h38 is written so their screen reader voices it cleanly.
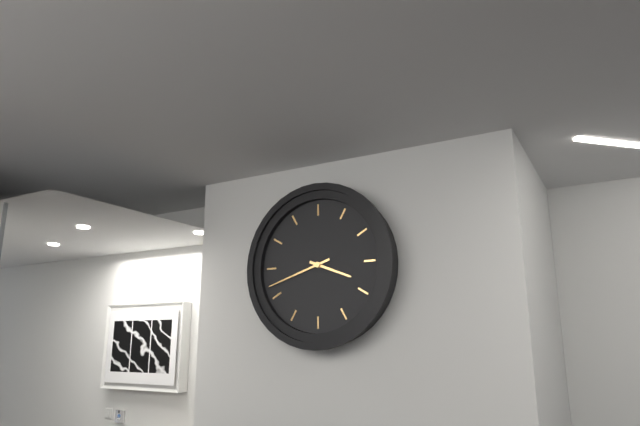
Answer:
3h42
